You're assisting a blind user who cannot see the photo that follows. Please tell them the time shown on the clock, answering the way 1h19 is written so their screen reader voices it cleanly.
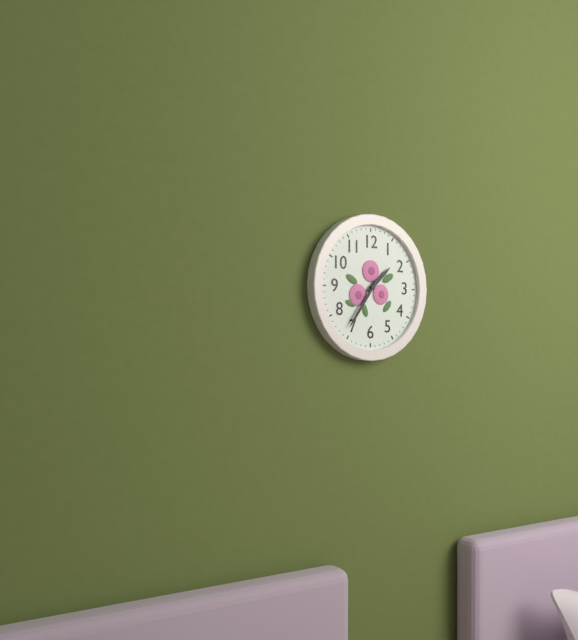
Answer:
1h36
